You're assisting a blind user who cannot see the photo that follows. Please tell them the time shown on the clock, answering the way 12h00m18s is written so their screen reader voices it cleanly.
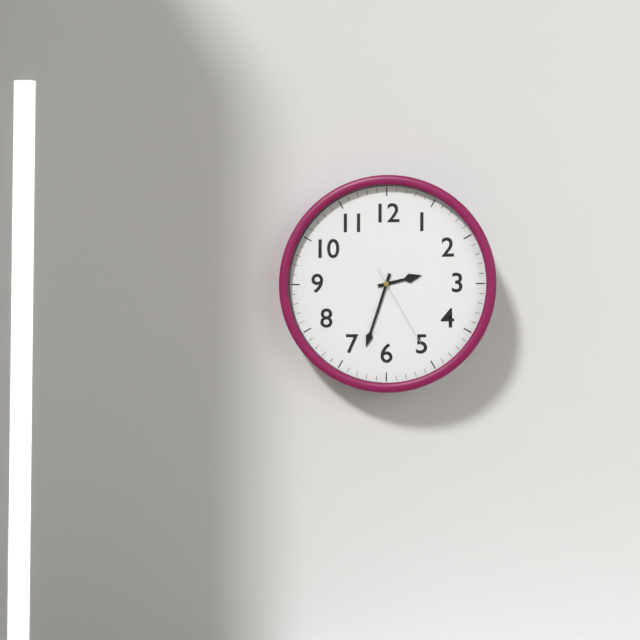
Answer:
2h33m25s
